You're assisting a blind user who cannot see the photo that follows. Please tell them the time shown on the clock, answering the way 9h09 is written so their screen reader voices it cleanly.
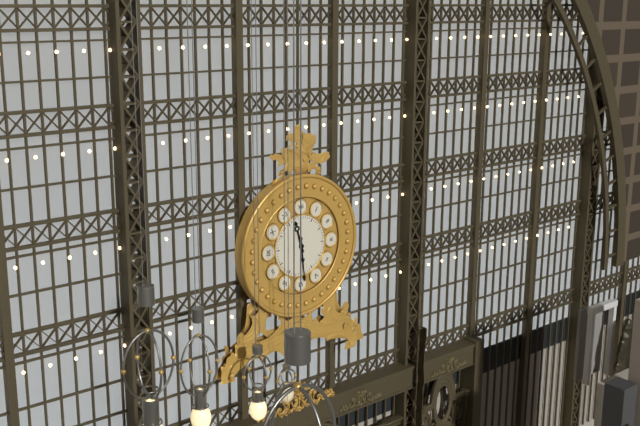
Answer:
11h29
